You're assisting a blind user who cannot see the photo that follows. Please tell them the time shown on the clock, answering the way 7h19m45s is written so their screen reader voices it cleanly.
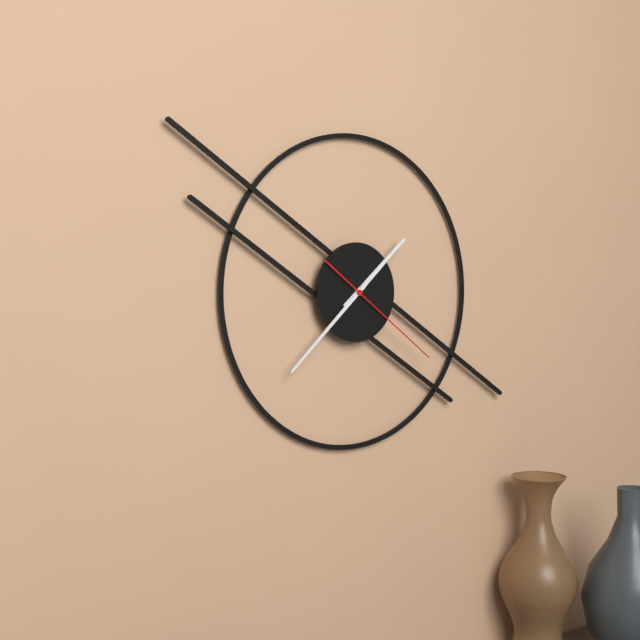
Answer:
1h38m21s
